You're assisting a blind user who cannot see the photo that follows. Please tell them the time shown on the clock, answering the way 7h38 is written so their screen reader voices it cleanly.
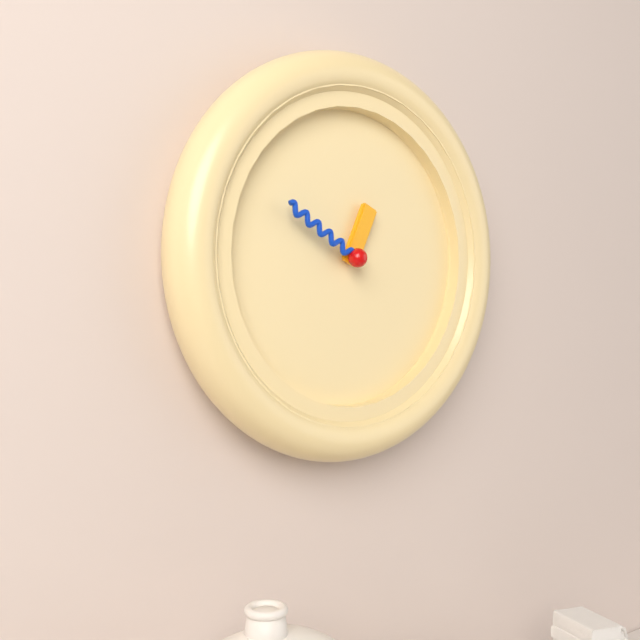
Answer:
12h50
